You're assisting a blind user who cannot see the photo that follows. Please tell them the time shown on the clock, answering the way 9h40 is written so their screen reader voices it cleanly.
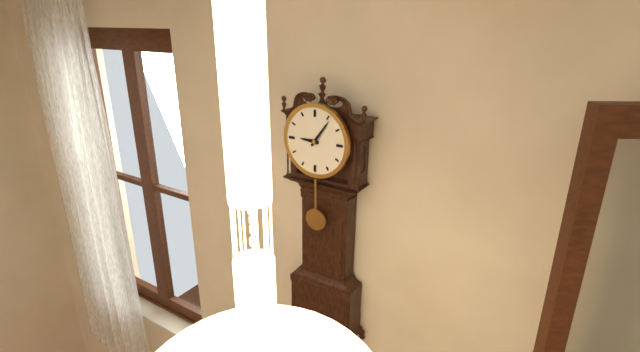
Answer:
9h06
